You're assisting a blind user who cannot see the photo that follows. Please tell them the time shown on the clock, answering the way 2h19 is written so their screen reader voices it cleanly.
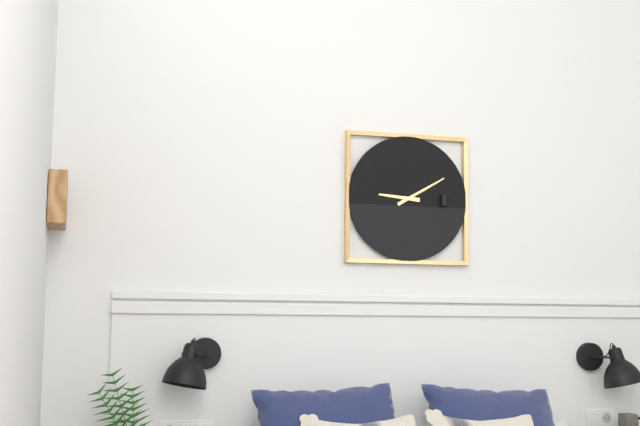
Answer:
9h10
